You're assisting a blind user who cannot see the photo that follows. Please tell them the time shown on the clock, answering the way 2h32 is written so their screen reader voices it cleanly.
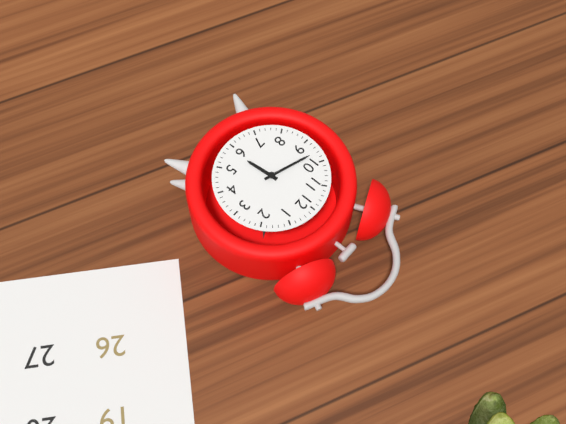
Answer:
5h48
